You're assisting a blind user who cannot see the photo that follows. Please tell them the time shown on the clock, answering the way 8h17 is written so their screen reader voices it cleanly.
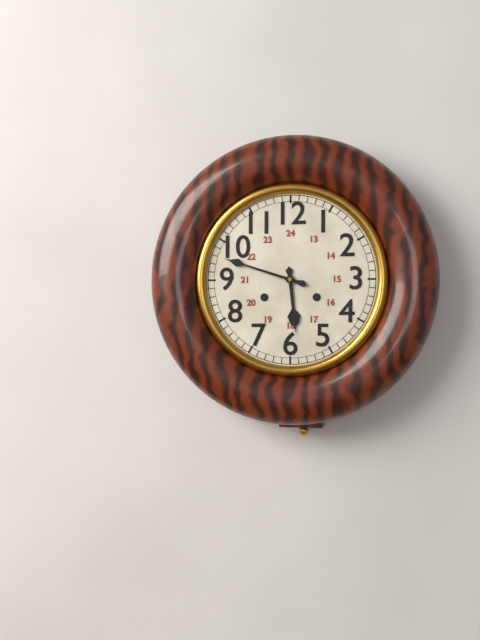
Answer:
5h48
